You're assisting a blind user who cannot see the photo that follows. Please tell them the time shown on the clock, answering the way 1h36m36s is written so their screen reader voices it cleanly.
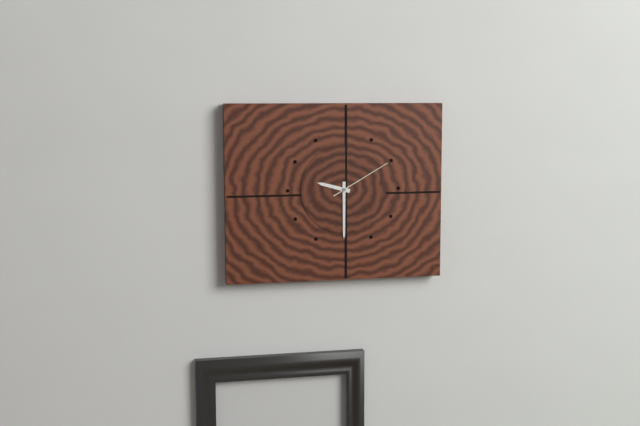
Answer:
9h30m10s
